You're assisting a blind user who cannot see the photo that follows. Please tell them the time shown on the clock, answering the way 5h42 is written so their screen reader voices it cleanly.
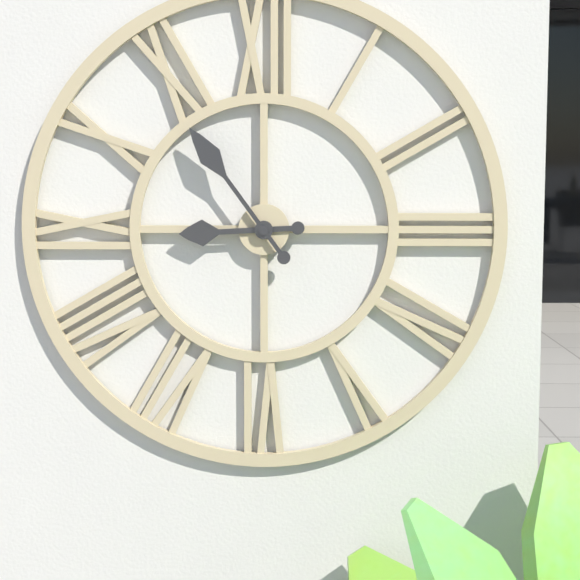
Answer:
8h54
